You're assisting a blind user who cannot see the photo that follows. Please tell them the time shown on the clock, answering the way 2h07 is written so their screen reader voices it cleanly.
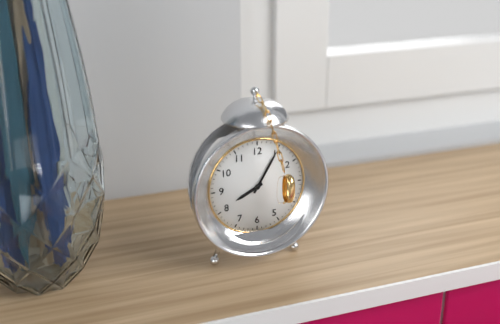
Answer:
8h05
